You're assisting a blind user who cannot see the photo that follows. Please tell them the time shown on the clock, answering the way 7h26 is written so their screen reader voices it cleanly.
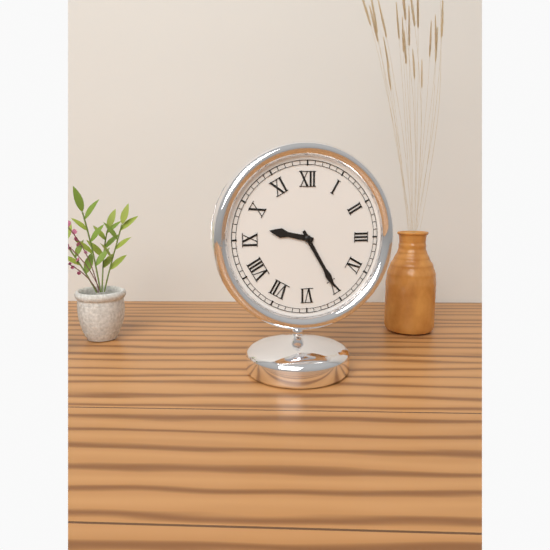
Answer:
9h25
